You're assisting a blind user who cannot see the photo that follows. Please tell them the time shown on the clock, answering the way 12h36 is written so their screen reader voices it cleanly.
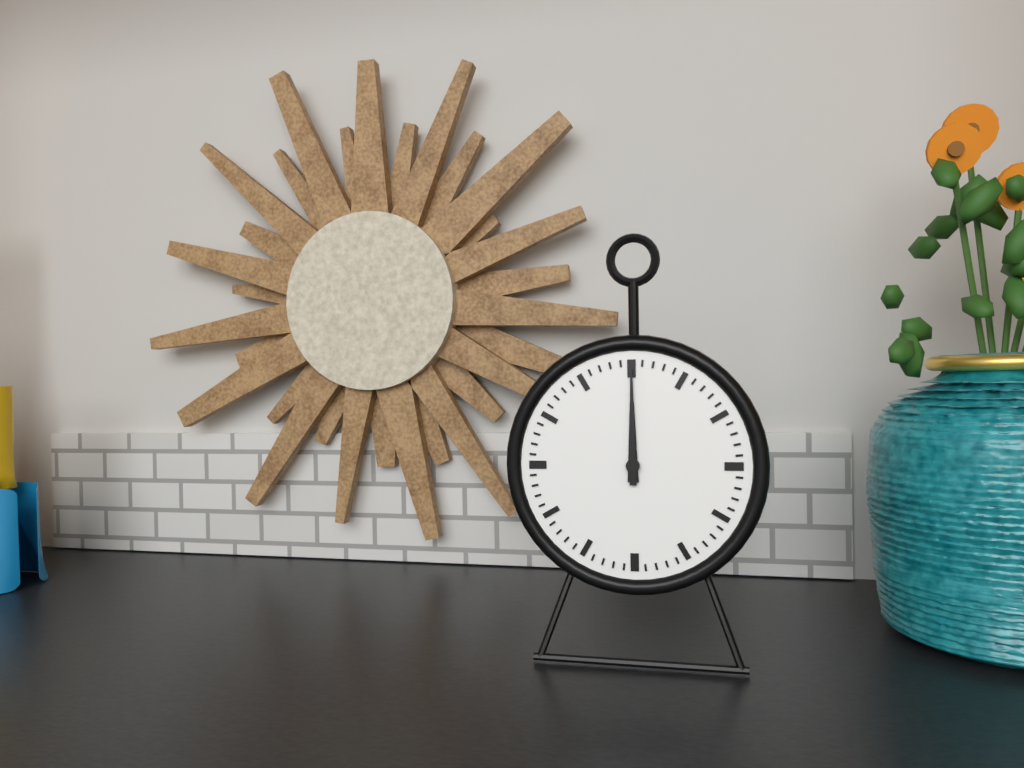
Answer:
12h00
